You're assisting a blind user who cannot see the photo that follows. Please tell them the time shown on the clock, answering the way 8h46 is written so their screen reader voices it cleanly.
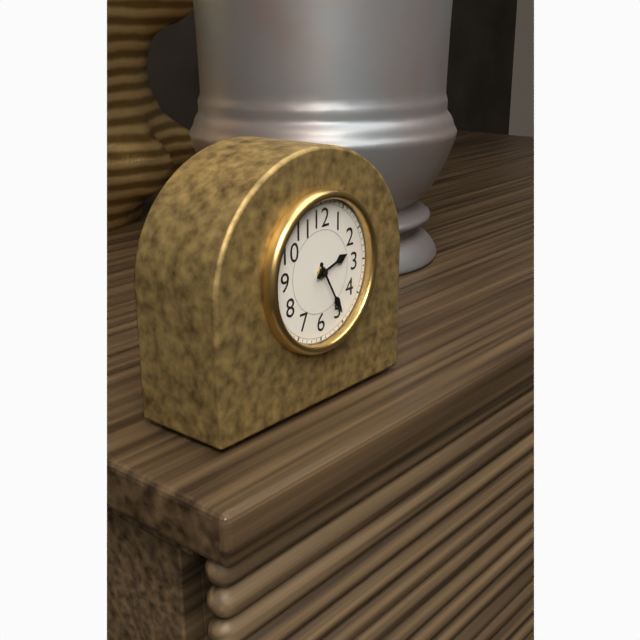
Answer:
2h25
